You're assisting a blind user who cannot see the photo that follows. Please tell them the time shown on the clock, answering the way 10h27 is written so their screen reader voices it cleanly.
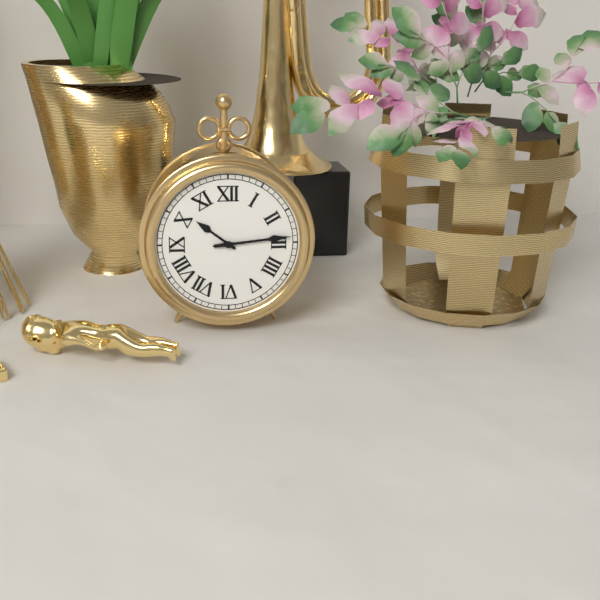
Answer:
10h14
